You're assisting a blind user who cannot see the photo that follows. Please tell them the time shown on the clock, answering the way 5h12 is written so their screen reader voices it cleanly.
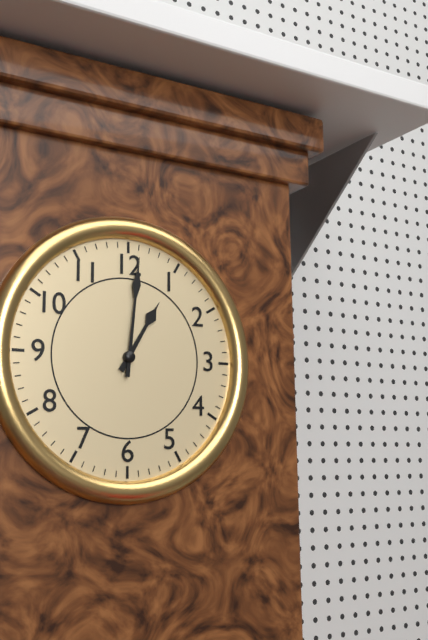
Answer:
1h01
